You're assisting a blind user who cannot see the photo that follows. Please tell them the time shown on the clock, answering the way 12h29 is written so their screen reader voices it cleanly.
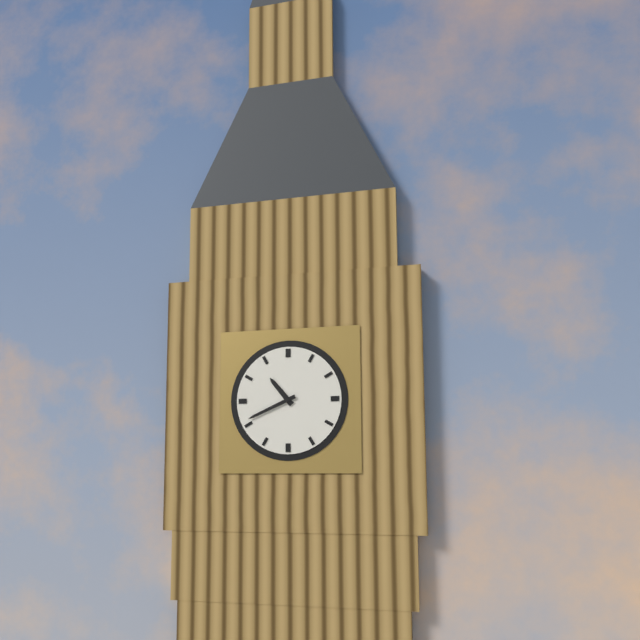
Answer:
10h41
